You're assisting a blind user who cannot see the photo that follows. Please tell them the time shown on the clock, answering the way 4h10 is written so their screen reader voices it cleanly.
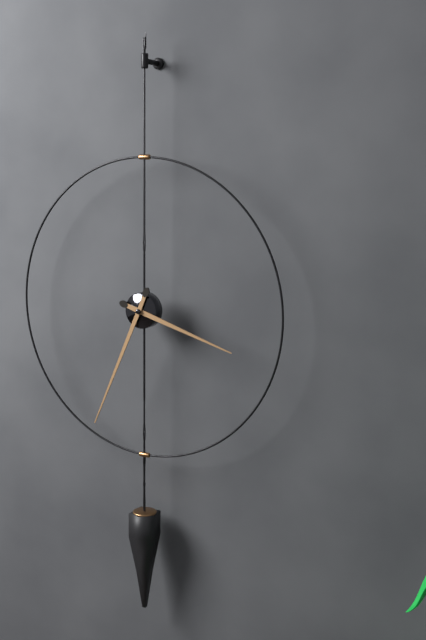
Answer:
3h34
